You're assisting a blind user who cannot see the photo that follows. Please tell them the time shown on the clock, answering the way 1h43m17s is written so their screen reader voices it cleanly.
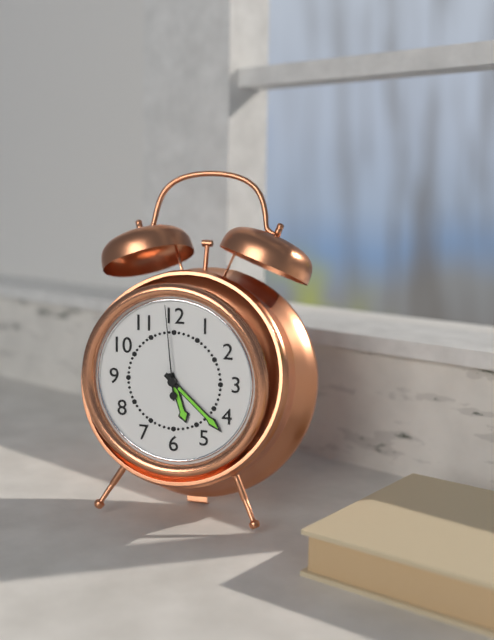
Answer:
5h22m59s
